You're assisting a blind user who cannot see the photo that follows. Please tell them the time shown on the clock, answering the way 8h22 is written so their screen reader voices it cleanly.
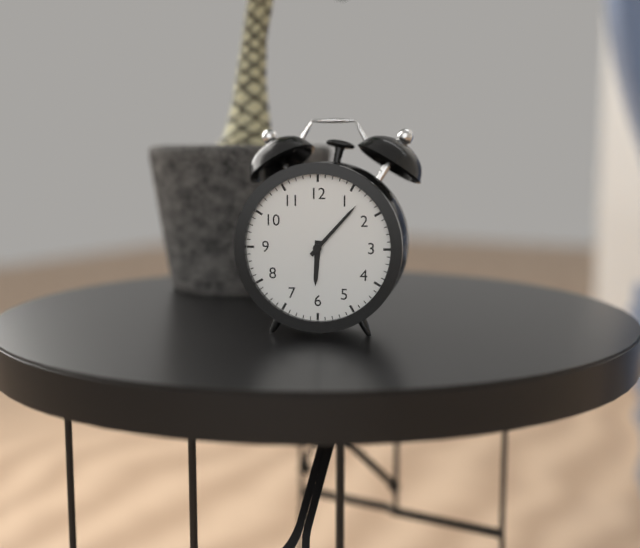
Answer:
6h07
